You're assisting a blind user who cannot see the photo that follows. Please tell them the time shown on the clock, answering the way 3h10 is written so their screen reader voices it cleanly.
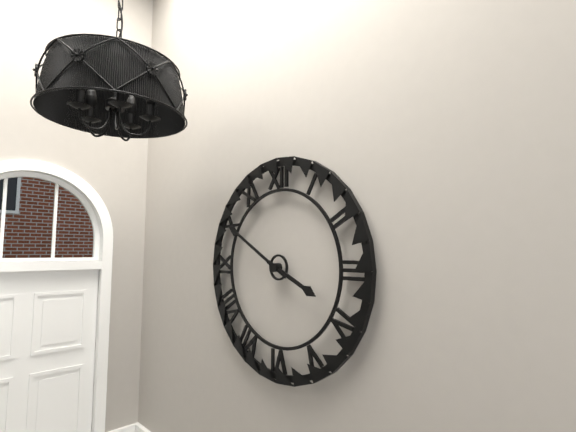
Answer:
3h50
